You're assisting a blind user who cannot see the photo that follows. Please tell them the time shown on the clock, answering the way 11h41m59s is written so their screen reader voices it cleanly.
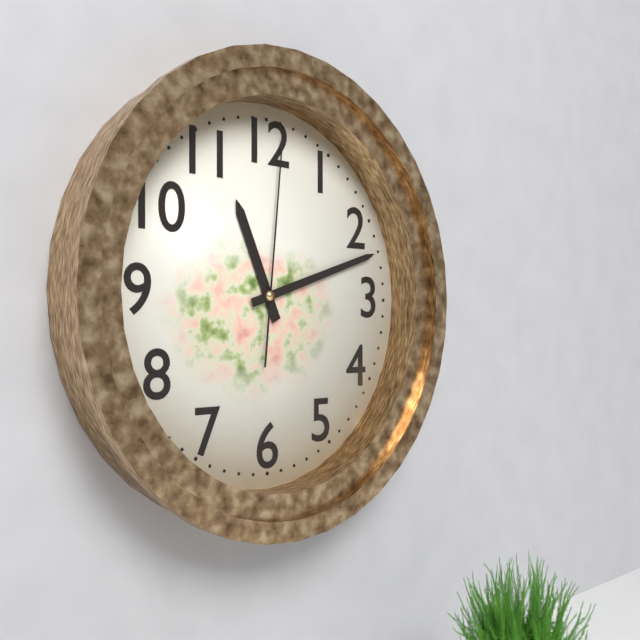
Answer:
11h12m01s
